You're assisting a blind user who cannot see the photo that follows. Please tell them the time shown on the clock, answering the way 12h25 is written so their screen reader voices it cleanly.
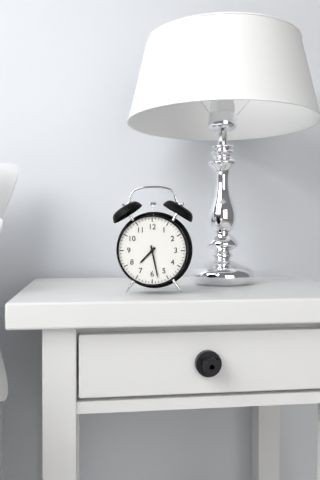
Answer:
7h28
